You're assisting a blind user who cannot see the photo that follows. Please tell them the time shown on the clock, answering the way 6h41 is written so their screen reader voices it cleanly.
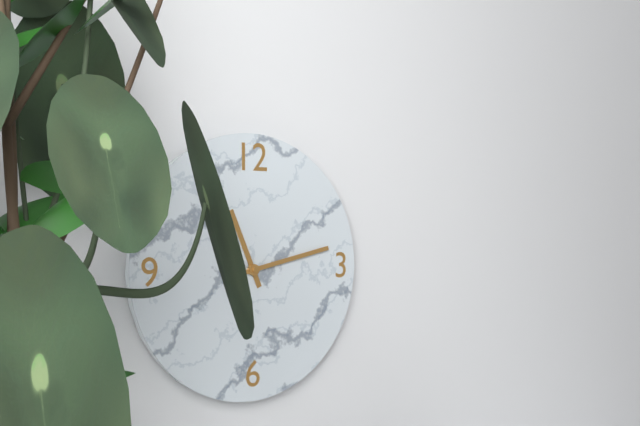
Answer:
11h13
